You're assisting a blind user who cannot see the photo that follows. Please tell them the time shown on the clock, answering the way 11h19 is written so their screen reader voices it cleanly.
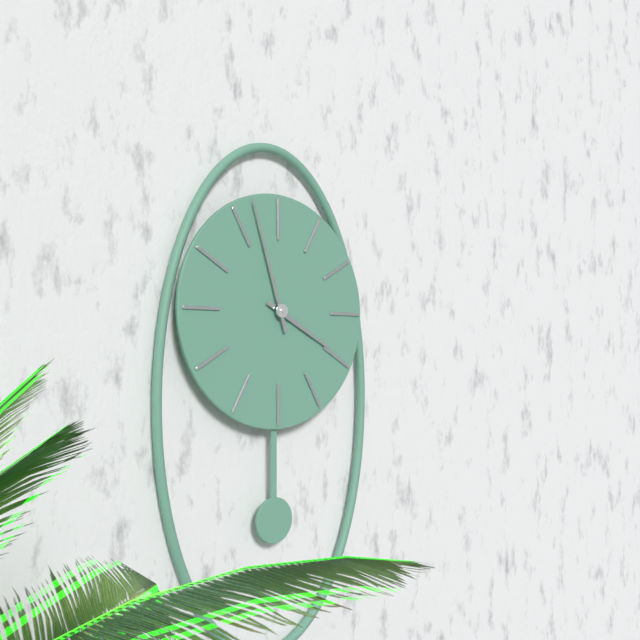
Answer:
3h57
